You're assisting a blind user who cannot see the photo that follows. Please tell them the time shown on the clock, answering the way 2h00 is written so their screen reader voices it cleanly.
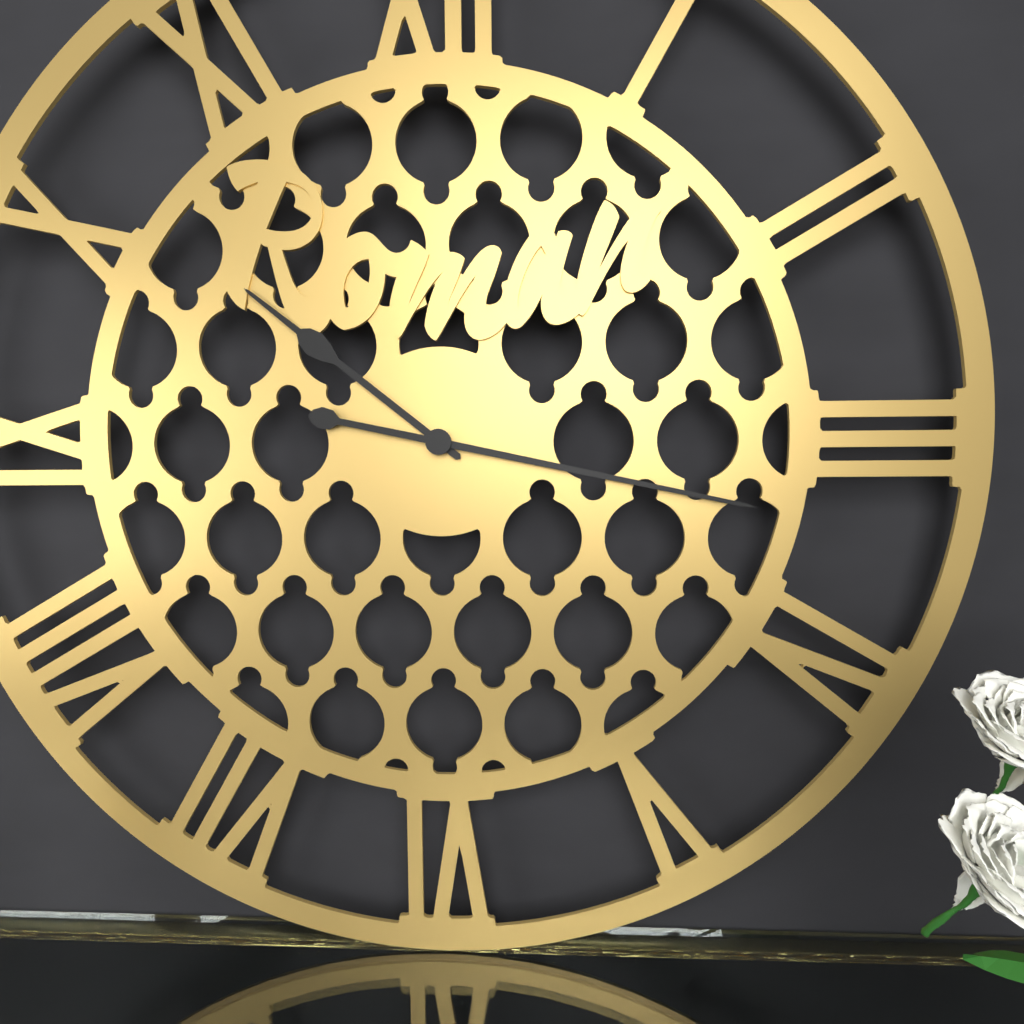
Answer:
10h17
